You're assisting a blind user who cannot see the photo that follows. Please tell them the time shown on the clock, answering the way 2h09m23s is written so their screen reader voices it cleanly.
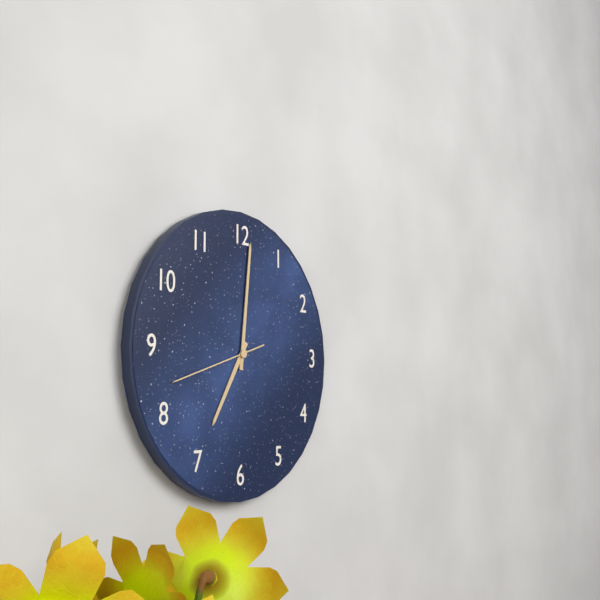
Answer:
7h01m42s
